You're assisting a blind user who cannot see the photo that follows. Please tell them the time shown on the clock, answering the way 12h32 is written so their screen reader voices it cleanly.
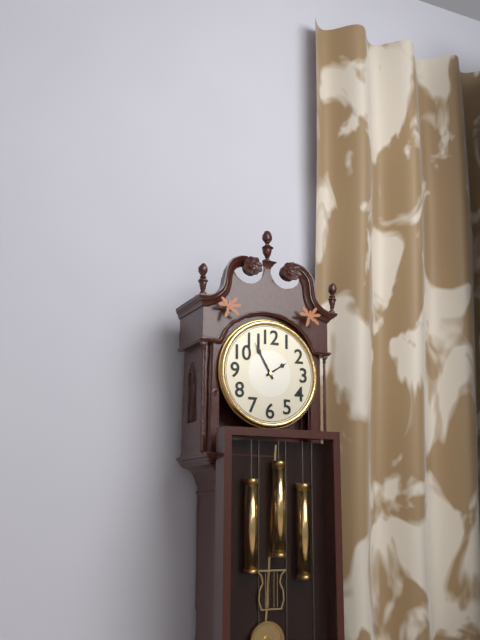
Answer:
1h55
